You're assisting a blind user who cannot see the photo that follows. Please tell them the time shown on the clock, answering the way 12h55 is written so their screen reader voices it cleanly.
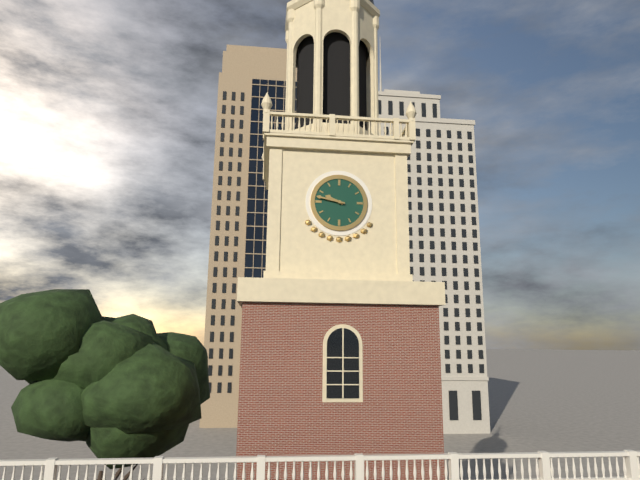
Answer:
9h47
